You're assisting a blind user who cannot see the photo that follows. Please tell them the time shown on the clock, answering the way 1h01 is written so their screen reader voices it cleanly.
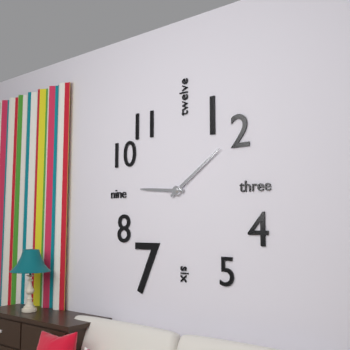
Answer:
9h09
